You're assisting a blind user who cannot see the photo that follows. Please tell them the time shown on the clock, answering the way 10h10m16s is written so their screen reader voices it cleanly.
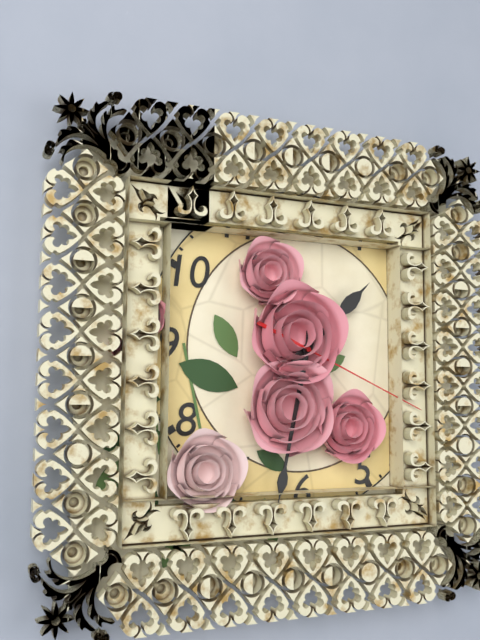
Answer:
1h32m19s
